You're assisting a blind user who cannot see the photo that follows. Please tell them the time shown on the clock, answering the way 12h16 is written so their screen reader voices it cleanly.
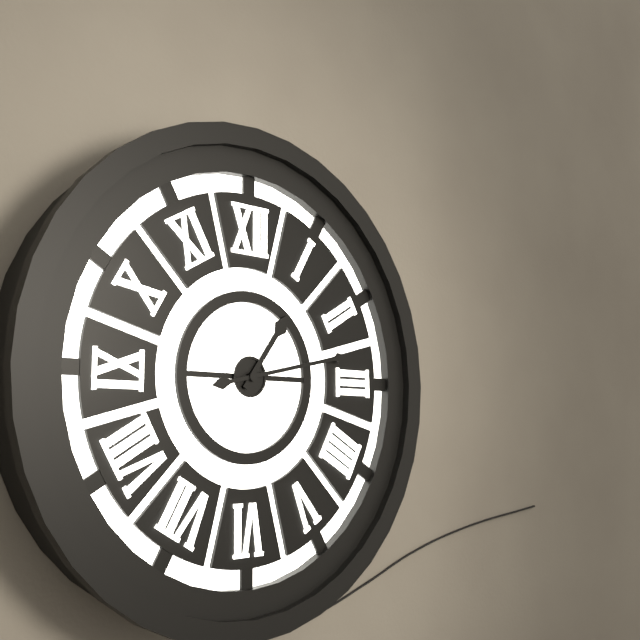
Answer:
1h13
